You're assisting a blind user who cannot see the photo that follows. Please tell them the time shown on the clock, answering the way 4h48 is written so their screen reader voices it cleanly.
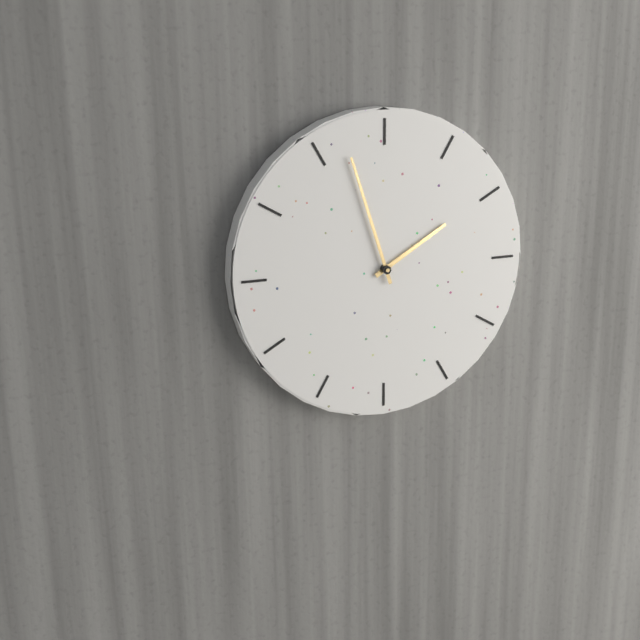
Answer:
1h57
